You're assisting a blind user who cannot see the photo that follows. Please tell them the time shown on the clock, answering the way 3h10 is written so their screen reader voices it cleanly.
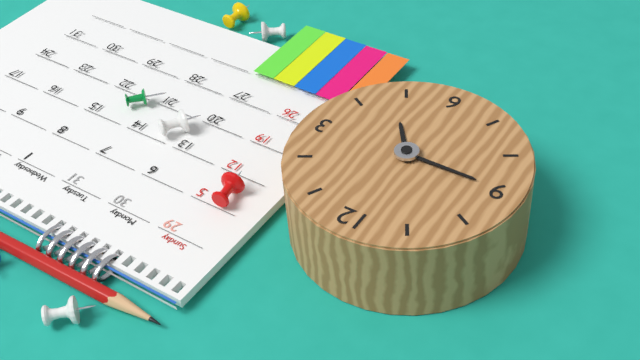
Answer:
4h45
